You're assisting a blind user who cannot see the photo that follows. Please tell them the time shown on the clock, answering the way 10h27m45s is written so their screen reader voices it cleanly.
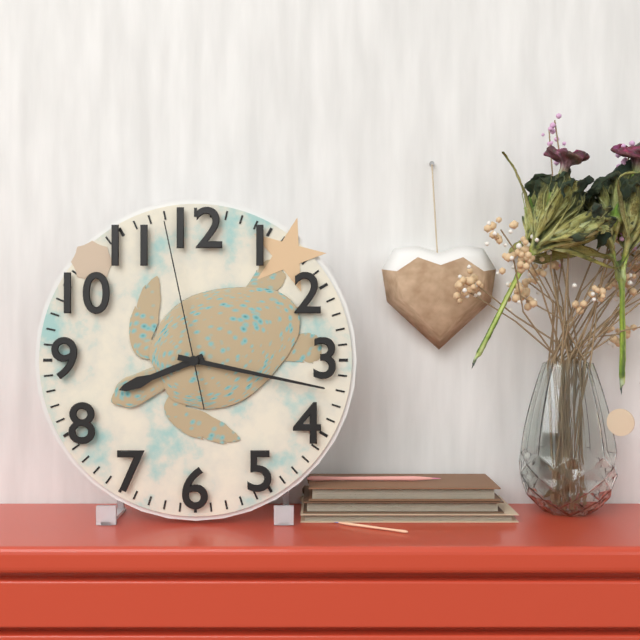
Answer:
8h17m58s
